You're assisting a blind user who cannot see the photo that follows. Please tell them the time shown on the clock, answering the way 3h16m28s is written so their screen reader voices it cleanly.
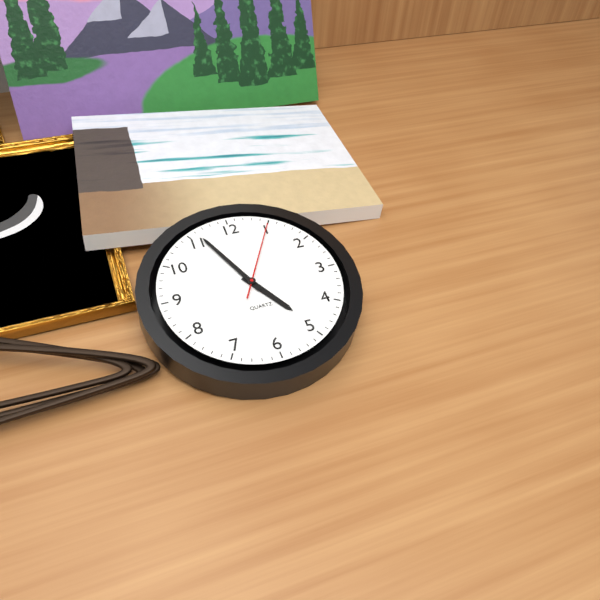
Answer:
4h56m05s
